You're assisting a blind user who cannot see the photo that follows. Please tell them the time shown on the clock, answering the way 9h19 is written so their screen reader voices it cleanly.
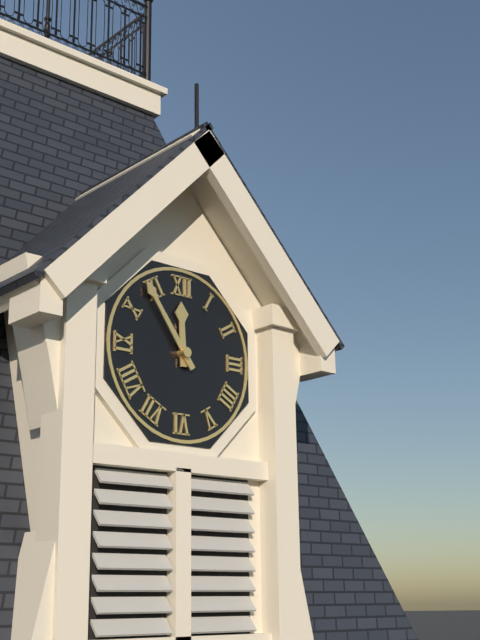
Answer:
11h54
